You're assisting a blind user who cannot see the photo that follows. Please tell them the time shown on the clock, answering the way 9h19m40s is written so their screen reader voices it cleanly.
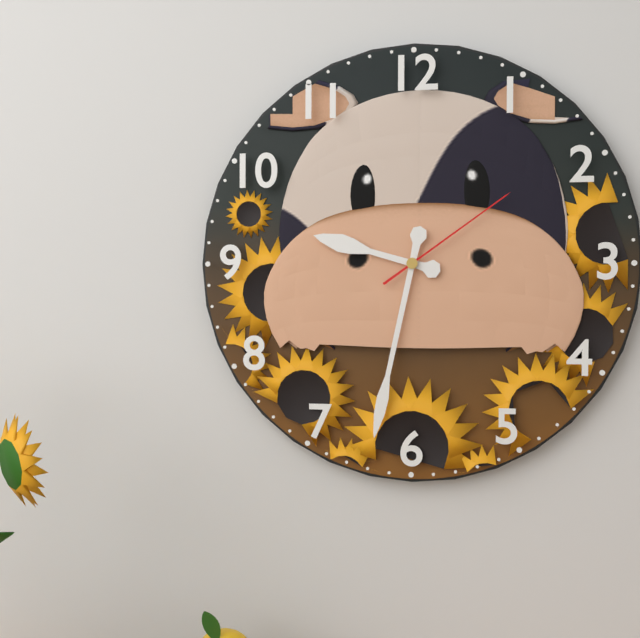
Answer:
9h32m09s
